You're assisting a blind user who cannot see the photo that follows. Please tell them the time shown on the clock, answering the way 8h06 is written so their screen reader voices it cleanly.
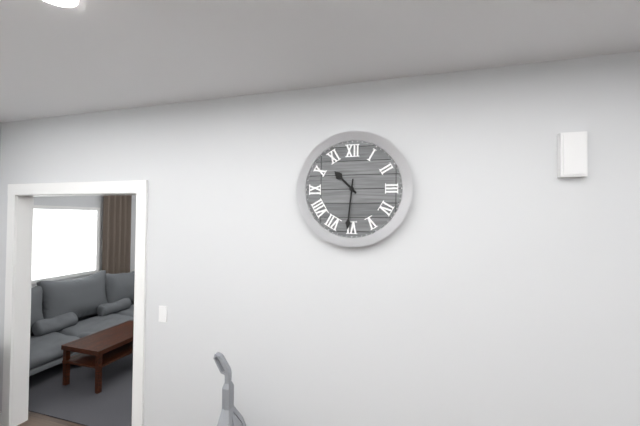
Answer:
10h31
